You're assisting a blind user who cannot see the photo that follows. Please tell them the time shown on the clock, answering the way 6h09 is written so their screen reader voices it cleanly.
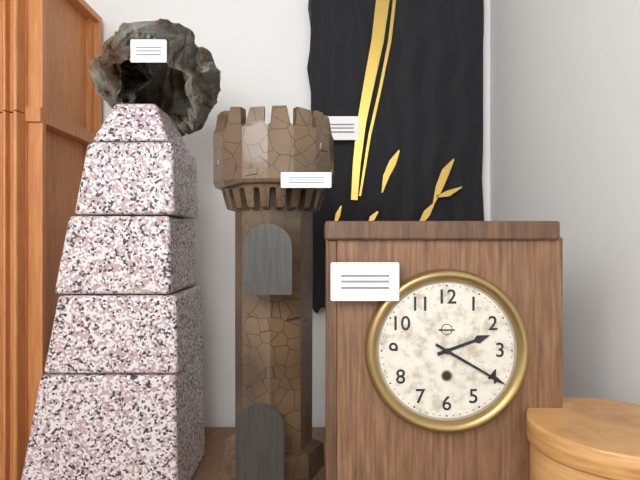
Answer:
2h20
